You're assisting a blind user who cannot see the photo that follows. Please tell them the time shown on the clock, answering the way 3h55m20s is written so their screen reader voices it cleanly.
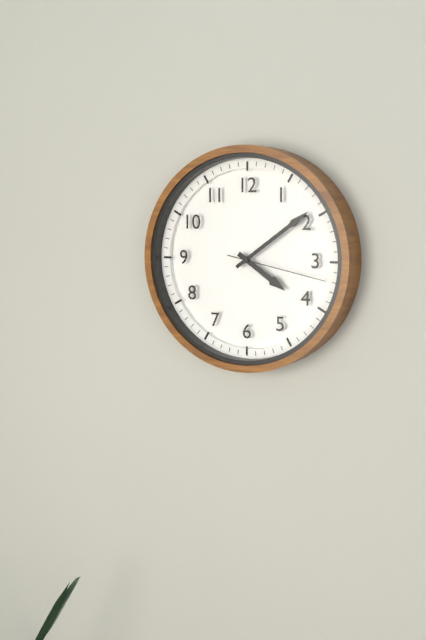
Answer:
4h09m17s
